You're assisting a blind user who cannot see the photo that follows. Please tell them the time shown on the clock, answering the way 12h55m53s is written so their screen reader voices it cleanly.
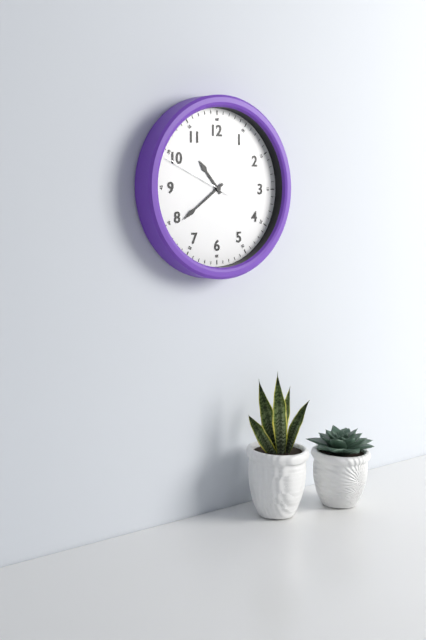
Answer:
10h39m49s
